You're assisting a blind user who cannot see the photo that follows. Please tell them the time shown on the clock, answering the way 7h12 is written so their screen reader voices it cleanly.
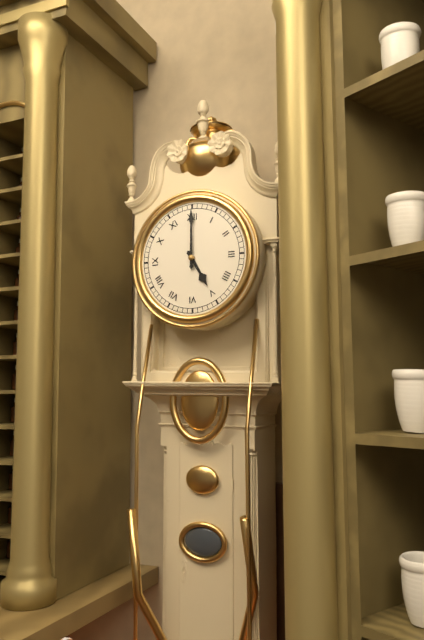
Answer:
5h00
